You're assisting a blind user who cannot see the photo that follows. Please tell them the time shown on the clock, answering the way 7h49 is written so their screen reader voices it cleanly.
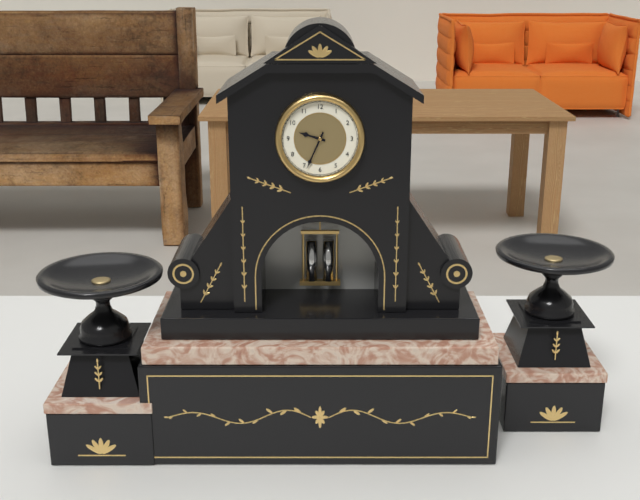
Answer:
9h34
